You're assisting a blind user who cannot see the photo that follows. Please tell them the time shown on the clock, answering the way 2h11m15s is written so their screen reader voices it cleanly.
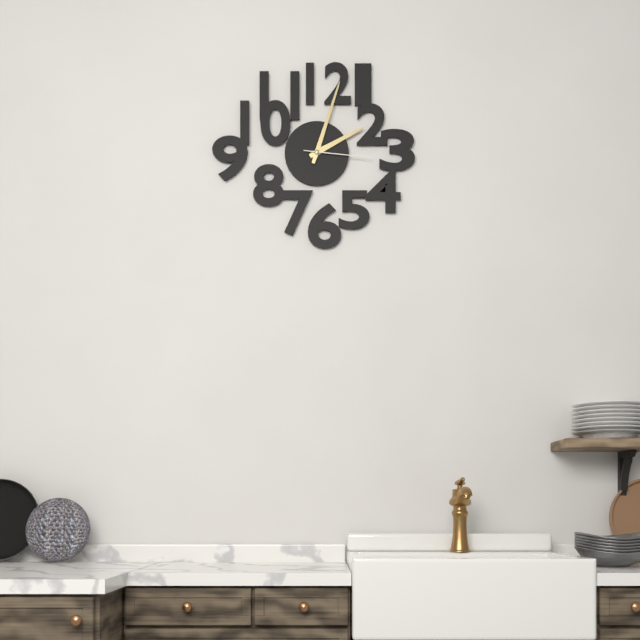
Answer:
2h03m16s
